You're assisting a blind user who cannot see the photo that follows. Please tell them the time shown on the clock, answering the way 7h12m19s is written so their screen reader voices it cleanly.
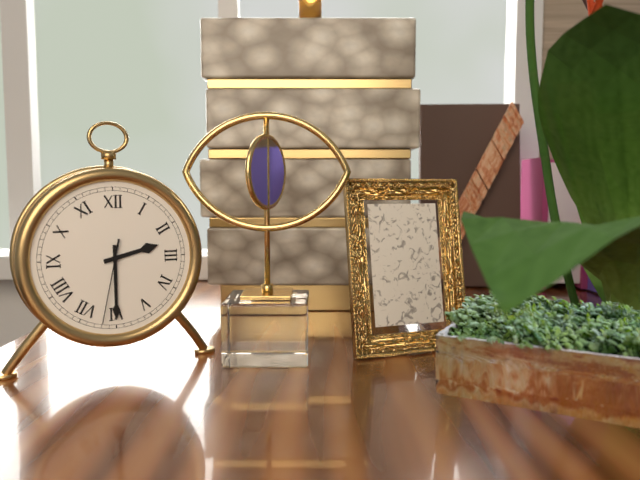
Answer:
2h30m32s
